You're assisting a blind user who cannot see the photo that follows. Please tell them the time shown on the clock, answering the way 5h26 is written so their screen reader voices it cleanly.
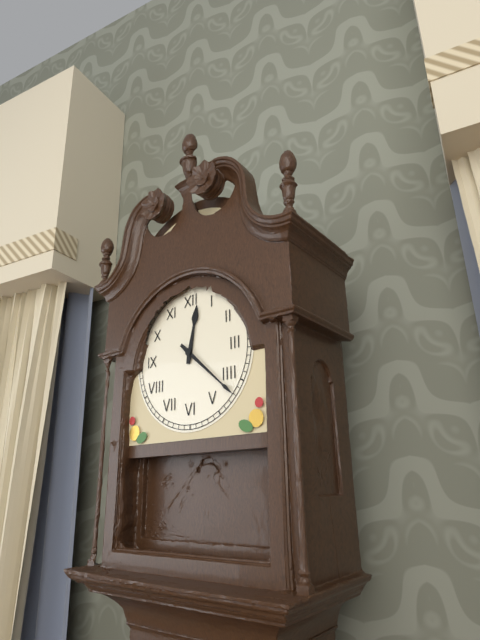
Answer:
12h22
